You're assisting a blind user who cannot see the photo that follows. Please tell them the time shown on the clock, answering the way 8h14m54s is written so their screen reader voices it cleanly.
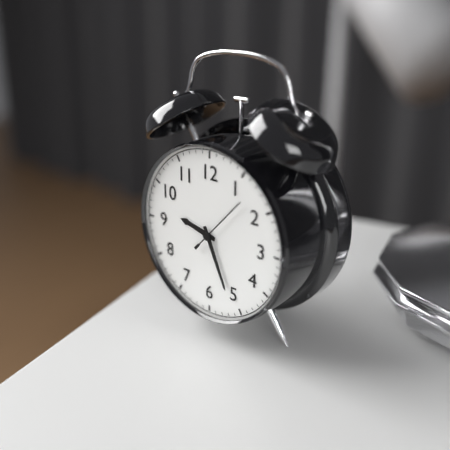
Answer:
9h26m07s
